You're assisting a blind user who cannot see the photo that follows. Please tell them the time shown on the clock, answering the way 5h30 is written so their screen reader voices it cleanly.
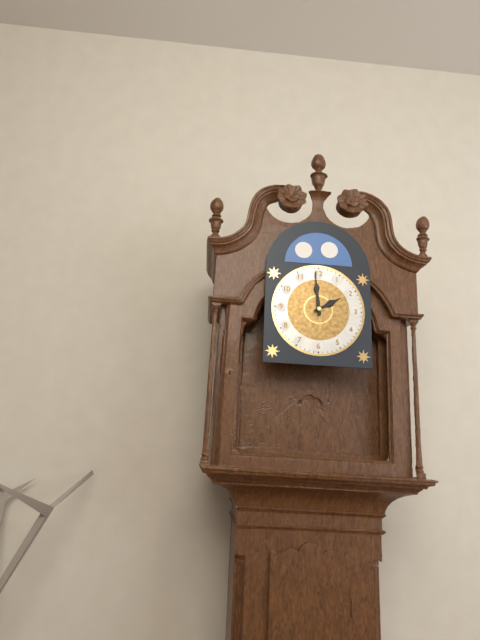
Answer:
1h59
